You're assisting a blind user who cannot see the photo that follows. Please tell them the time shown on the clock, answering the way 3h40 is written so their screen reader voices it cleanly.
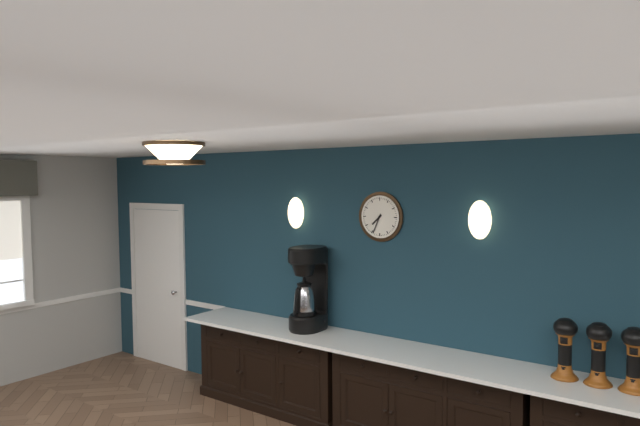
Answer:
7h34
